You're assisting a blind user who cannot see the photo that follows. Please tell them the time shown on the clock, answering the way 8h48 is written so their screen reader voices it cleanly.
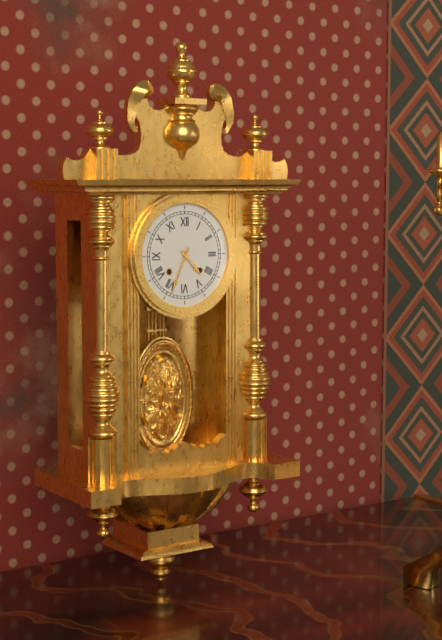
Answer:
4h34
